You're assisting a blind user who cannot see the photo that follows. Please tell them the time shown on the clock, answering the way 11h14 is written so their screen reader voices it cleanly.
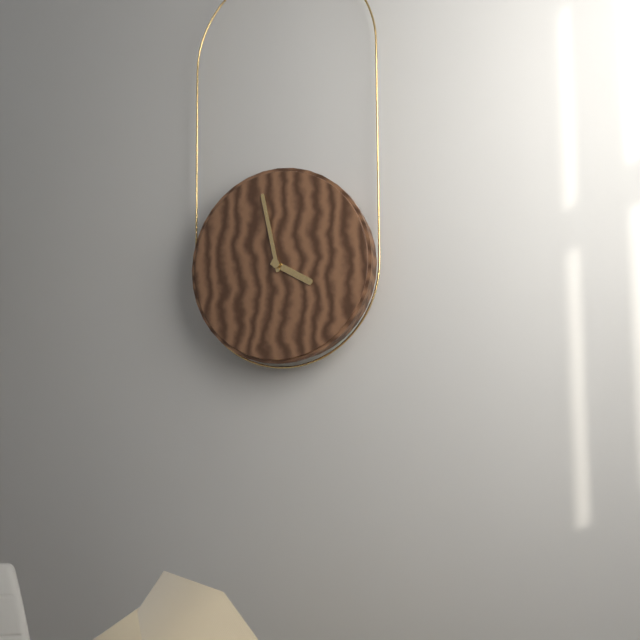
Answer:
3h58
